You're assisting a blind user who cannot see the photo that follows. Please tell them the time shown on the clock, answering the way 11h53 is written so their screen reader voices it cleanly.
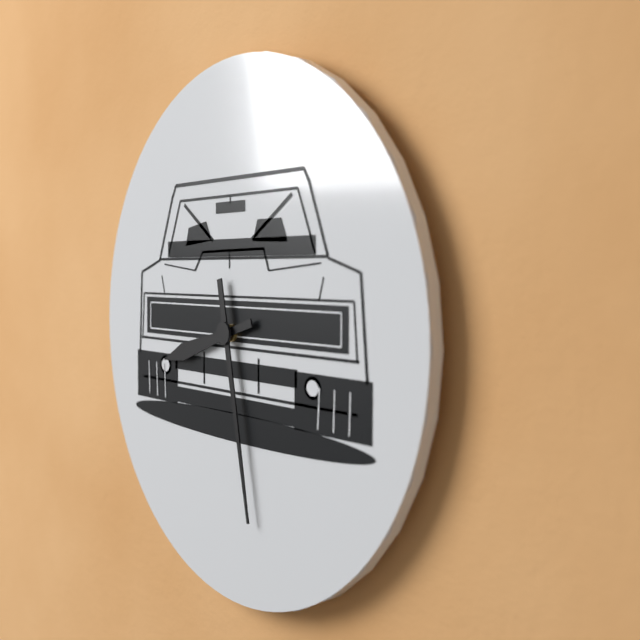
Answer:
8h28
